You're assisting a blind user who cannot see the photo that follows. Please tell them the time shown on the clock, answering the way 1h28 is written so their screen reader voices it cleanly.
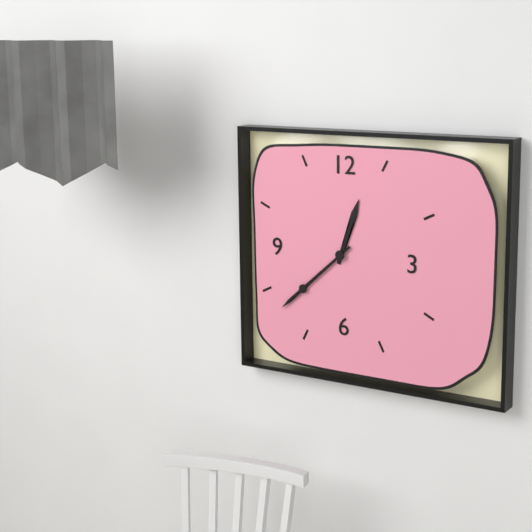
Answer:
12h38
